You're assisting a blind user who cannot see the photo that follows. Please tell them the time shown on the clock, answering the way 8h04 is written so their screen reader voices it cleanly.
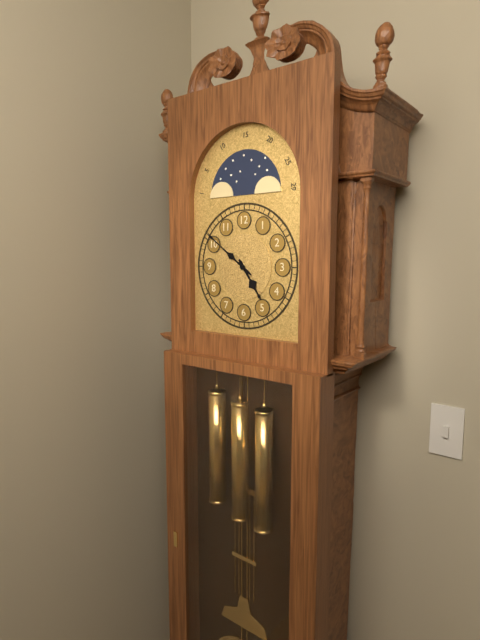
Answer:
4h51
